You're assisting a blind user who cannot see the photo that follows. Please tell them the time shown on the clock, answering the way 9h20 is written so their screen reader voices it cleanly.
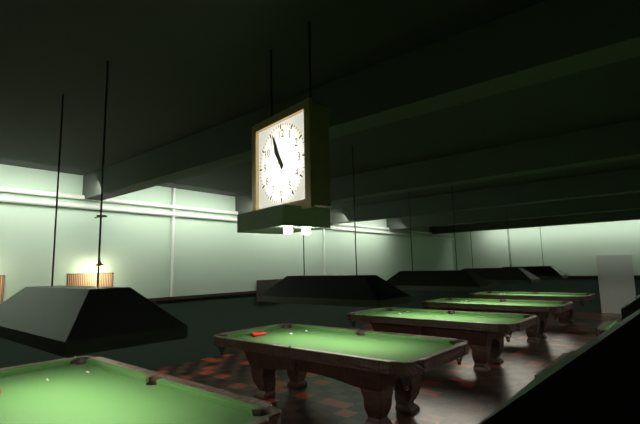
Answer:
10h56
